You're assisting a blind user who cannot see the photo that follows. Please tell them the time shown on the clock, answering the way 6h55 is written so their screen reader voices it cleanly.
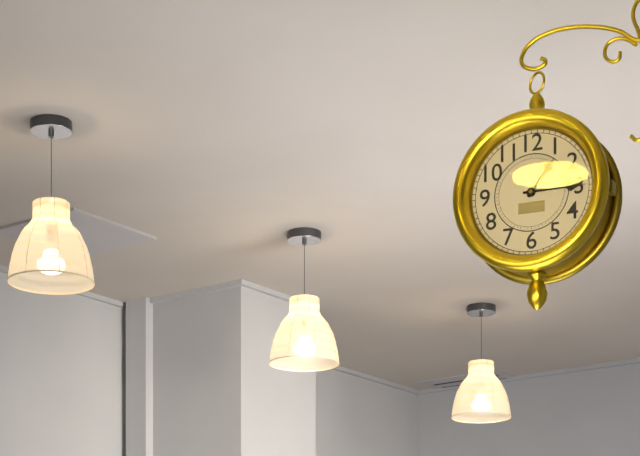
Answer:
1h15
